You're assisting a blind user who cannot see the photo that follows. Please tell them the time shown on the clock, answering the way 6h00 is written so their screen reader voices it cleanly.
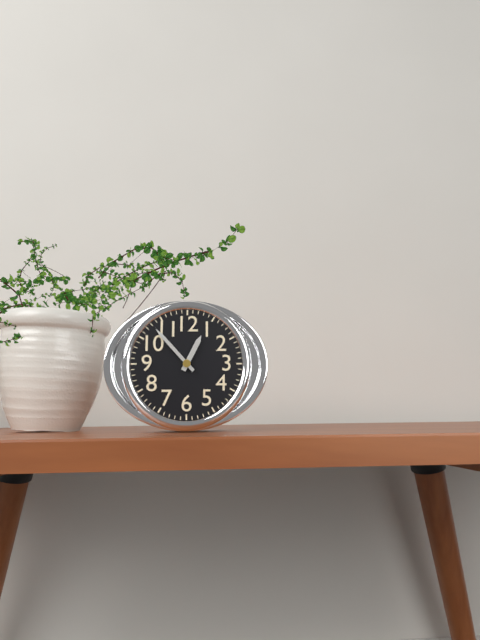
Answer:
12h53
